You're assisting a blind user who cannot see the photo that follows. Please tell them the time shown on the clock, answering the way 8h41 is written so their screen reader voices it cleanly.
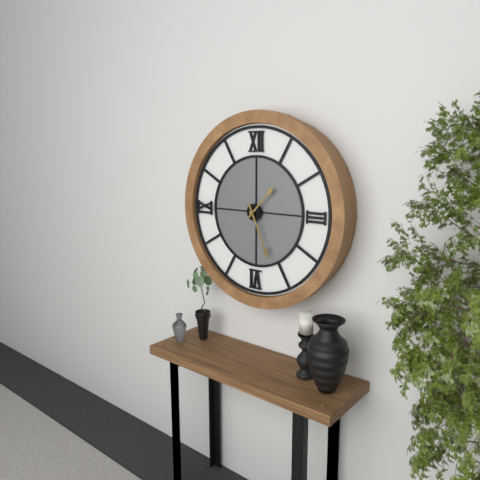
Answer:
1h26
